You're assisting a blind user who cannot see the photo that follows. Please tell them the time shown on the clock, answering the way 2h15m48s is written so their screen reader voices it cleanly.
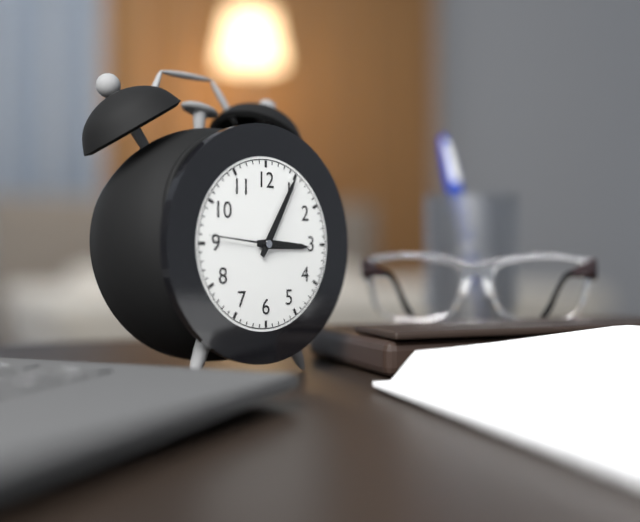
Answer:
3h05m46s
